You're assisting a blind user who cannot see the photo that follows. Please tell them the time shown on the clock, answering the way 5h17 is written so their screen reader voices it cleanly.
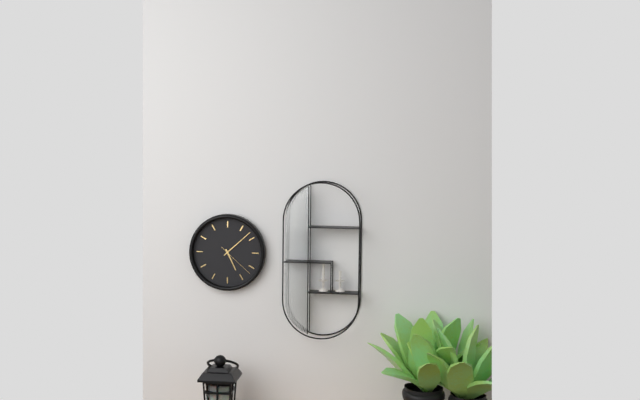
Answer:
5h08
